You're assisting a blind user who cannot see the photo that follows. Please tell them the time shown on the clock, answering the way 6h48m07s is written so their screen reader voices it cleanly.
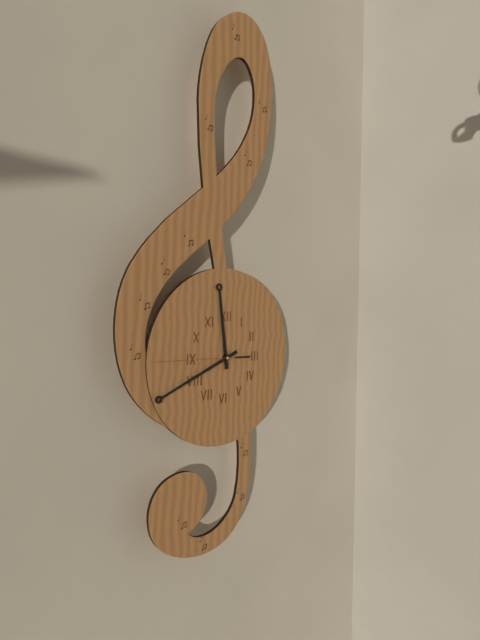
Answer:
11h41m45s
